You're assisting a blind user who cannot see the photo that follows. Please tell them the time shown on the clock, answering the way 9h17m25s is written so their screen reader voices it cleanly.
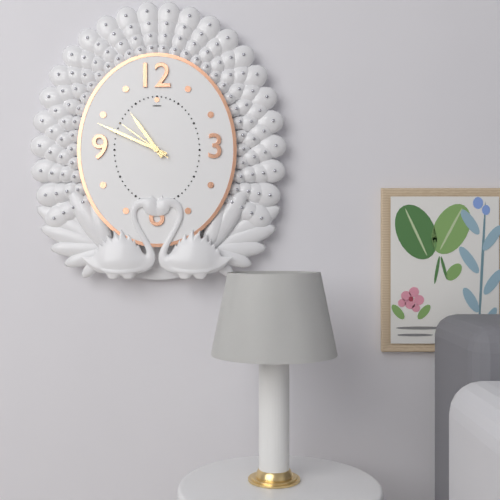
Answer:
10h49m51s
